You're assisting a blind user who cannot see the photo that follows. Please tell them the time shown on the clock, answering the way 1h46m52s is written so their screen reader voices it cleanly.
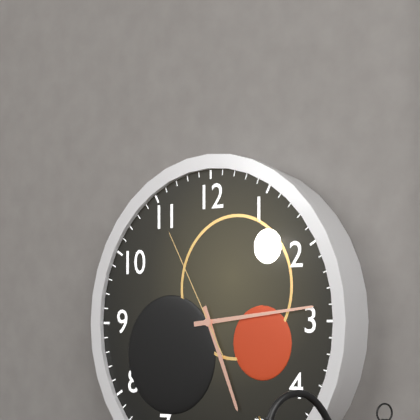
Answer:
5h14m55s
